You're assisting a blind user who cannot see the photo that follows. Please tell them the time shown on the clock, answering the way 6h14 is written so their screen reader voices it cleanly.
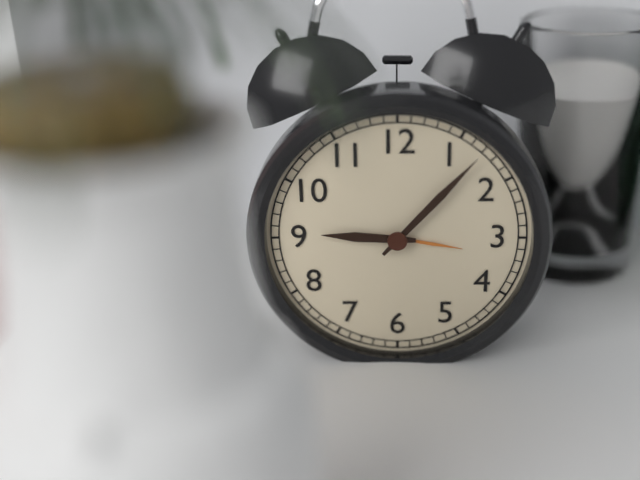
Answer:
9h07
